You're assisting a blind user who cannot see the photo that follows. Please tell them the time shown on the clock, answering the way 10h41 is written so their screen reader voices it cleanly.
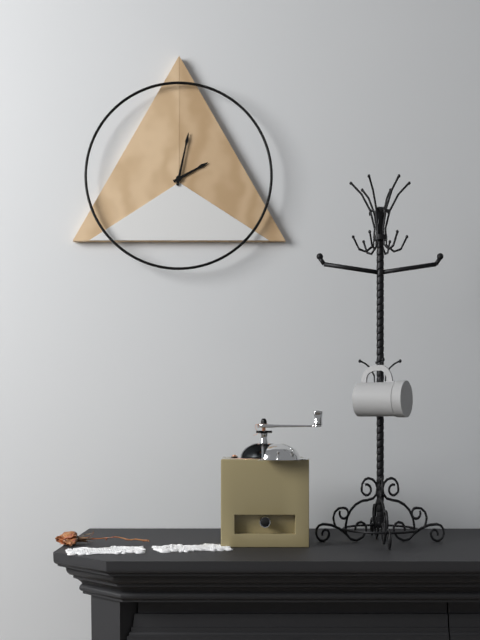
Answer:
2h02
